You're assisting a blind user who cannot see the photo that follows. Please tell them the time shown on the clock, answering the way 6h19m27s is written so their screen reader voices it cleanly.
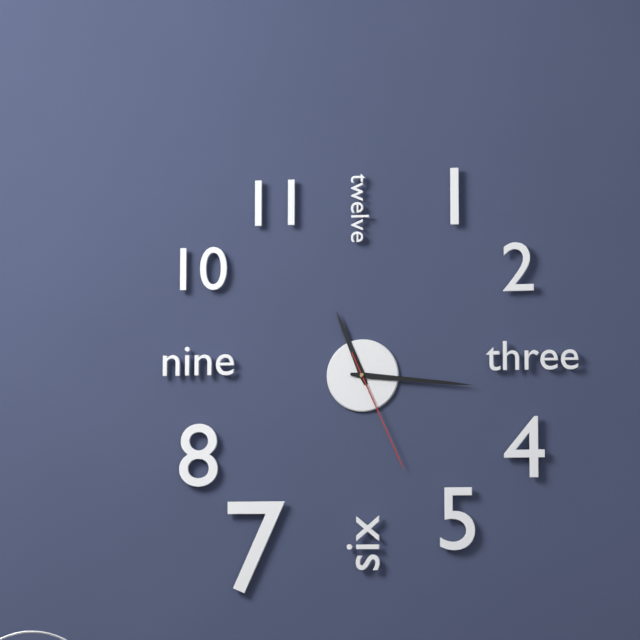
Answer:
11h16m26s
